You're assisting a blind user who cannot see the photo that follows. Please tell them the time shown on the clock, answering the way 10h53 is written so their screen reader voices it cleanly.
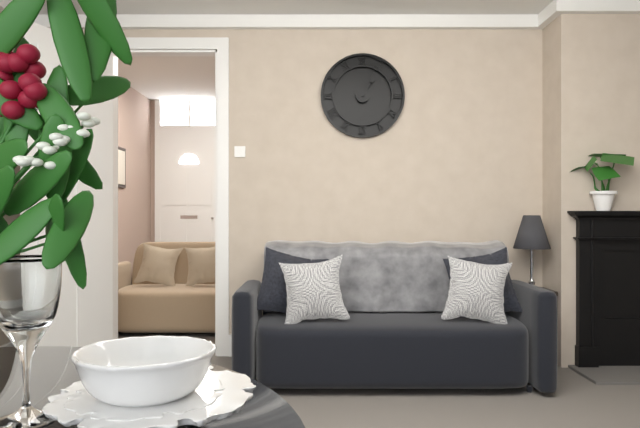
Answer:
1h04
